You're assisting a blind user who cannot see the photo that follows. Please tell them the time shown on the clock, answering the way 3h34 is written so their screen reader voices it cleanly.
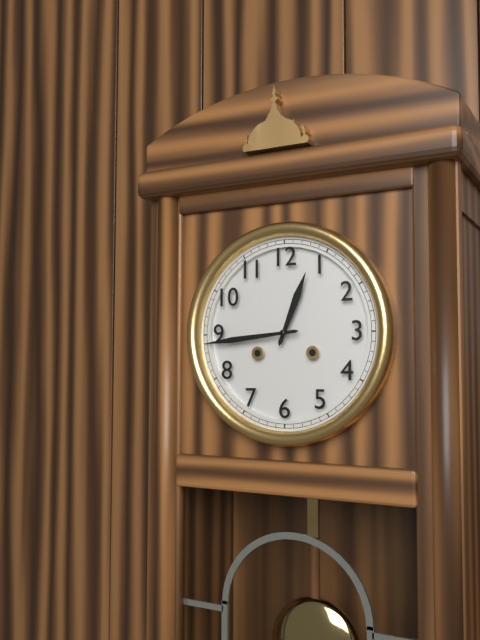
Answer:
12h44
